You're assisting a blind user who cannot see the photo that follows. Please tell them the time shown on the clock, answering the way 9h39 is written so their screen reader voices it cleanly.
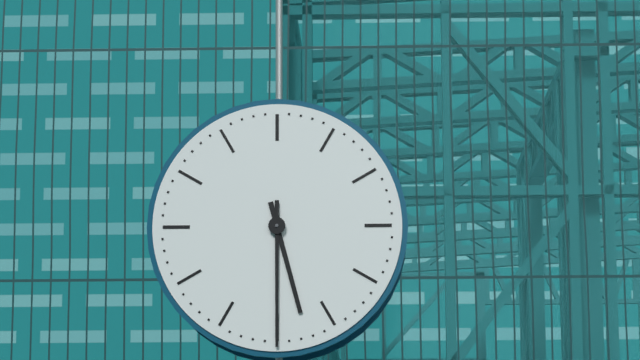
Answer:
5h30
